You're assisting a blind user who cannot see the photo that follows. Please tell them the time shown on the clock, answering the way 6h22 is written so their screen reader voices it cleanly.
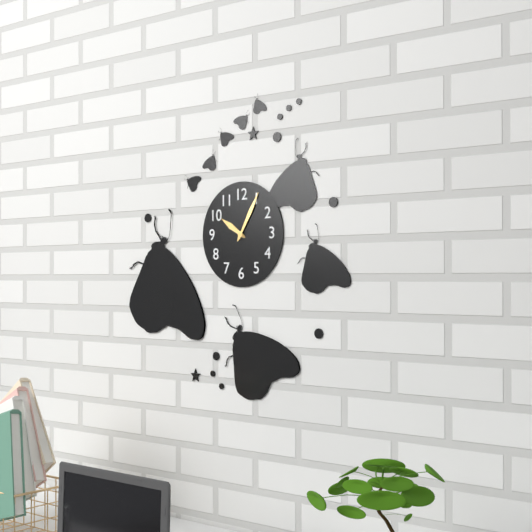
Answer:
10h05
